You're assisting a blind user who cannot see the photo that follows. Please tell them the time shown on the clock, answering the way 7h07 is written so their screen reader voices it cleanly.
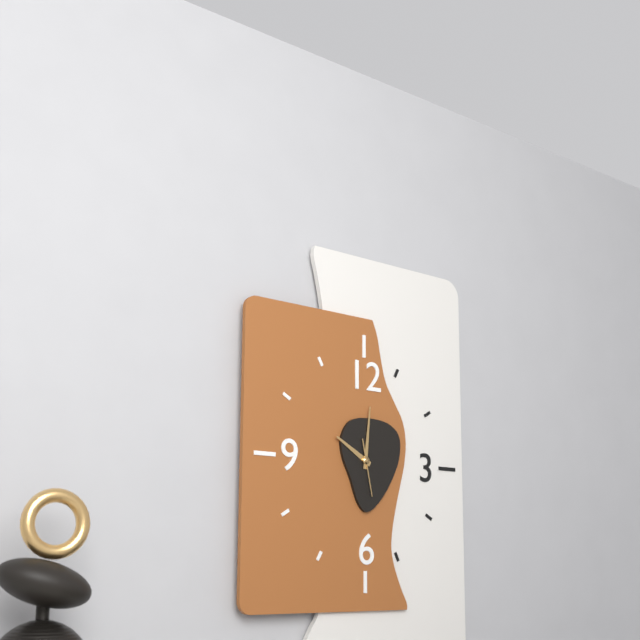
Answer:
10h01
